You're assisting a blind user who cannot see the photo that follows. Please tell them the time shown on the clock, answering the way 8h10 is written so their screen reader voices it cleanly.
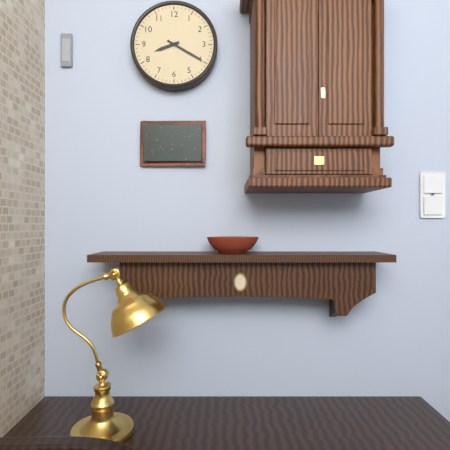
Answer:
8h20
